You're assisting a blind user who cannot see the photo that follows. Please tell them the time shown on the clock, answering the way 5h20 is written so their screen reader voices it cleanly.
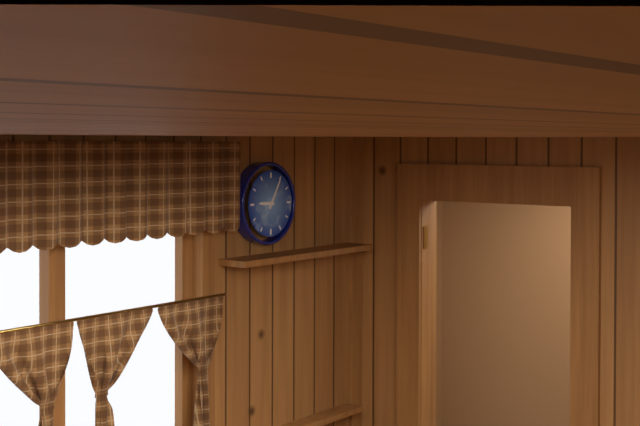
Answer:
9h05
